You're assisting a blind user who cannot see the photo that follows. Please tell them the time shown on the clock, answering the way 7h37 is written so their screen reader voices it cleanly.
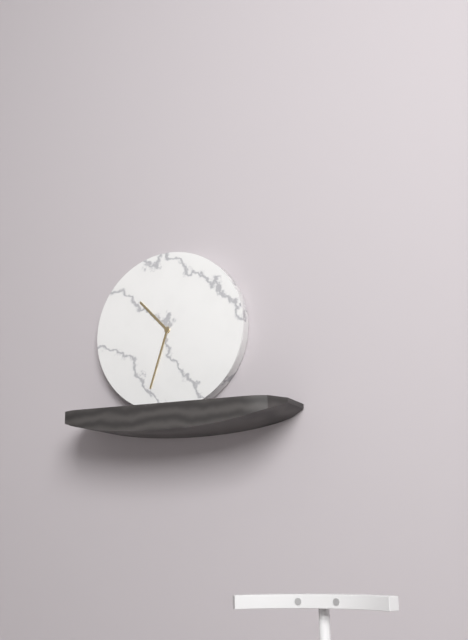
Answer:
10h33
